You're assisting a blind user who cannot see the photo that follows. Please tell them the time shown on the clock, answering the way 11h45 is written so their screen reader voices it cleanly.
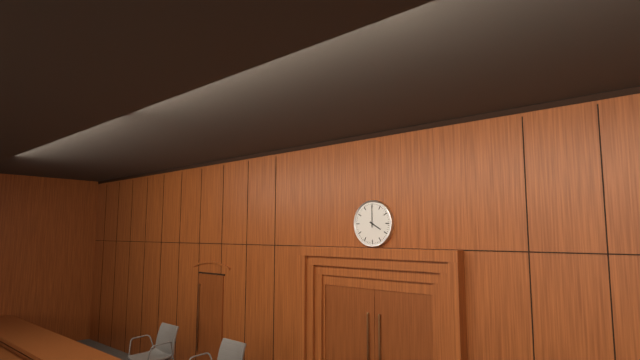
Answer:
4h00
